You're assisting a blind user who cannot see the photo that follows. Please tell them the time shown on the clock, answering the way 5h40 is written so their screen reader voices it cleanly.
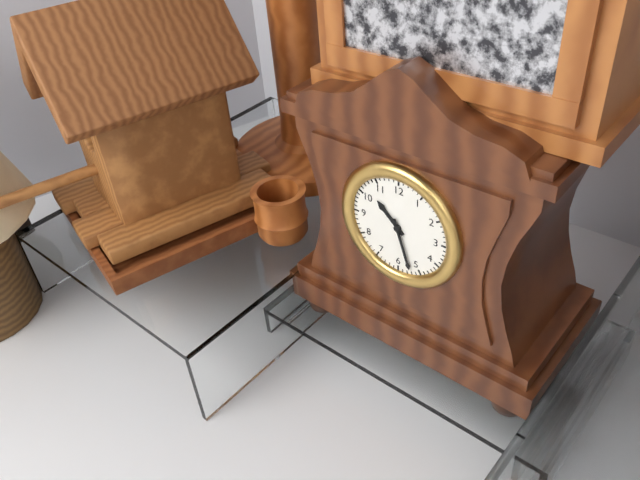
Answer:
10h27
